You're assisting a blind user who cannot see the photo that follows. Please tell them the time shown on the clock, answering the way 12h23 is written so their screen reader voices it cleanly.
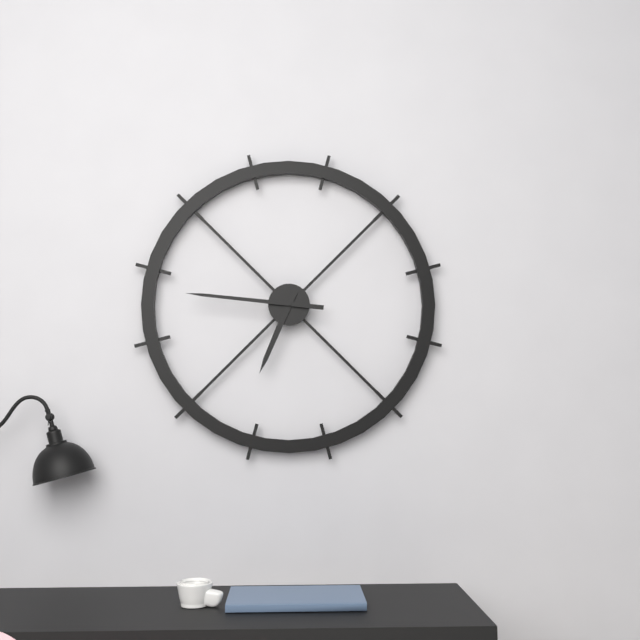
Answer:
6h46
